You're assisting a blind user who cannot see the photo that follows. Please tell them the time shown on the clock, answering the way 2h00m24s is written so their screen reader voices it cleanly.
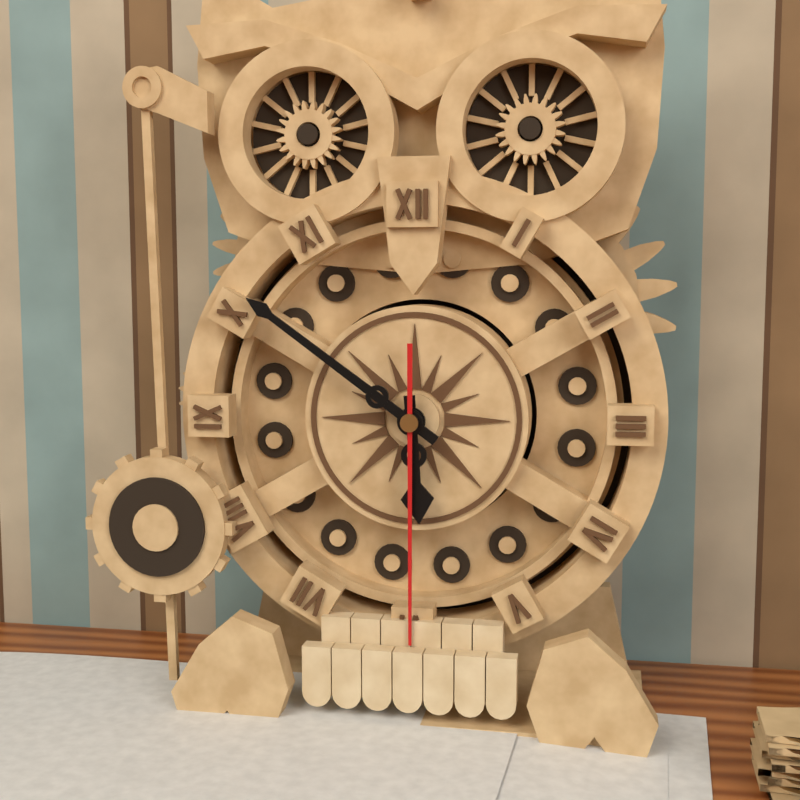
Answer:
5h51m30s
